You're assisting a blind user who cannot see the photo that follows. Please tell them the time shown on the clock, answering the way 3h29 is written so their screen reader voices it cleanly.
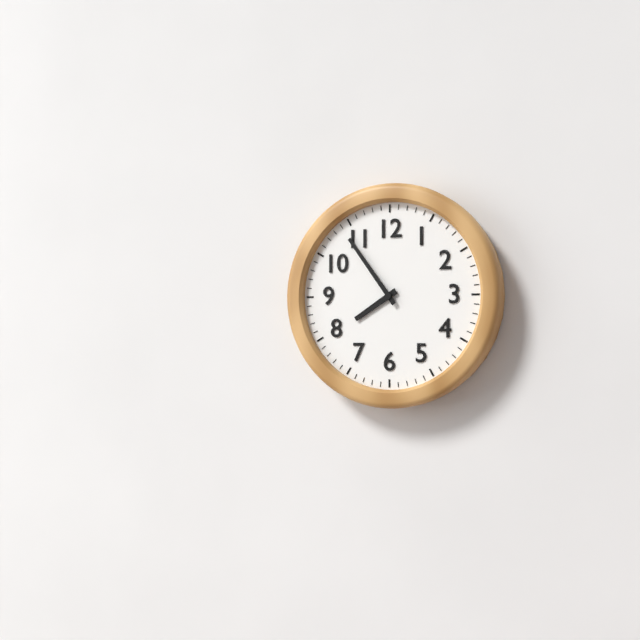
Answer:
7h54
